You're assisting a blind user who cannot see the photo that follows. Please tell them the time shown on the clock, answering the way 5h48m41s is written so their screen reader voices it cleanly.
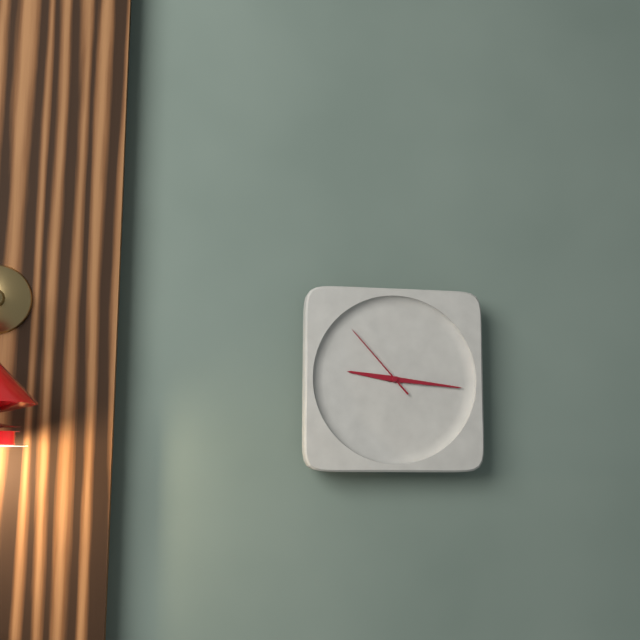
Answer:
9h16m53s
